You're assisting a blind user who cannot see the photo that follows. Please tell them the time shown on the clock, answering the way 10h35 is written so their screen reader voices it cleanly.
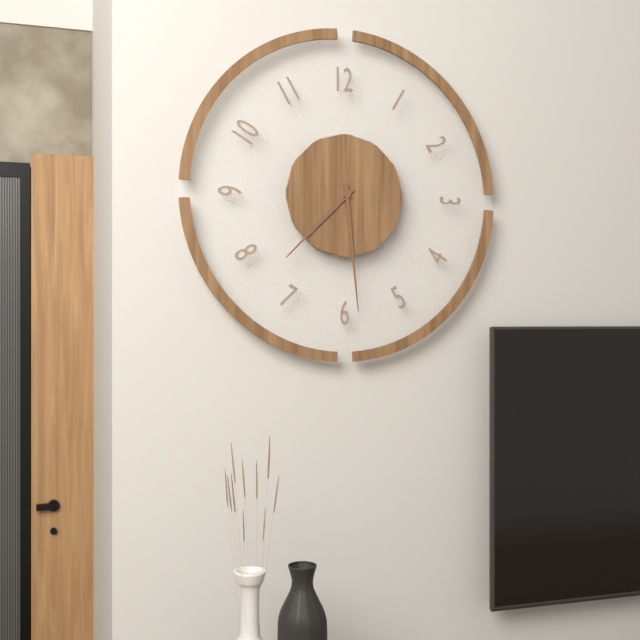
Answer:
7h29
